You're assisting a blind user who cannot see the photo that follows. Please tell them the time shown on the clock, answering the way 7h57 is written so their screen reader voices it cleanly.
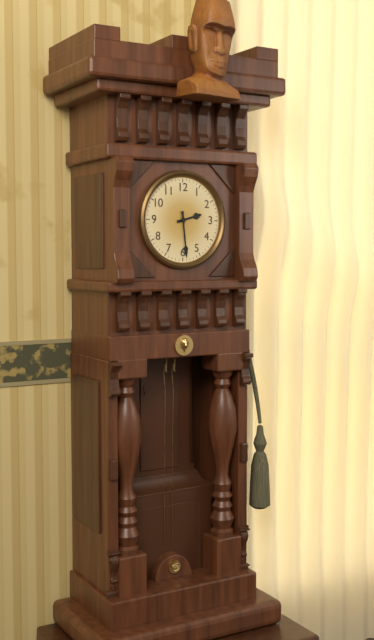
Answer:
2h29
